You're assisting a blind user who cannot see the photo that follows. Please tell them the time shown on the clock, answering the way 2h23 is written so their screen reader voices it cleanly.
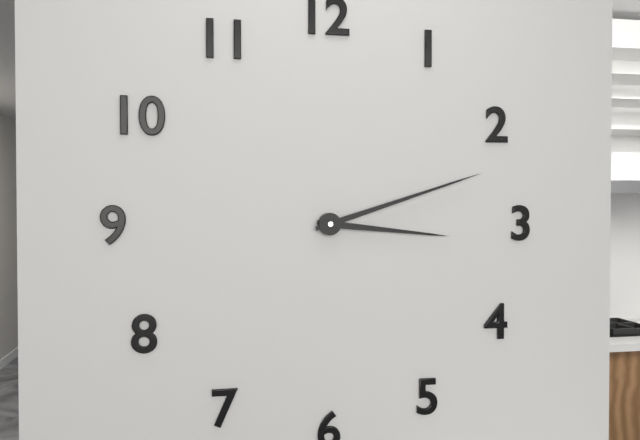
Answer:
3h12
